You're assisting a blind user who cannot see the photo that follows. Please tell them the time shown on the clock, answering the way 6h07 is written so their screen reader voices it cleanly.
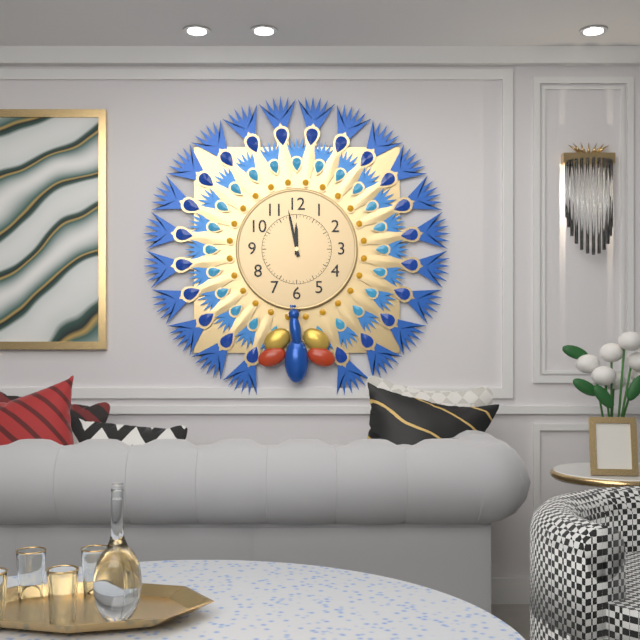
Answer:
11h58
